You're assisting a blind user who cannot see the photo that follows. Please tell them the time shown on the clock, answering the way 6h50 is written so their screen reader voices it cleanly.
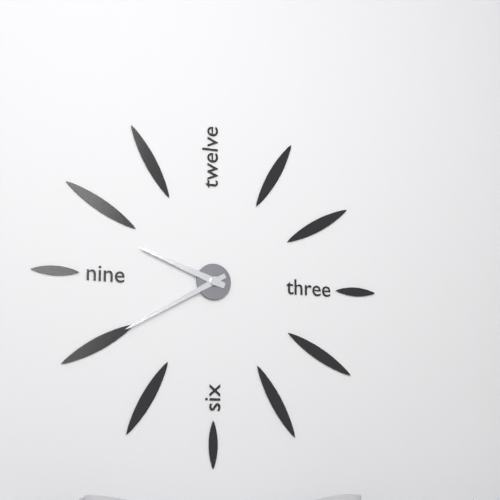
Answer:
9h40
